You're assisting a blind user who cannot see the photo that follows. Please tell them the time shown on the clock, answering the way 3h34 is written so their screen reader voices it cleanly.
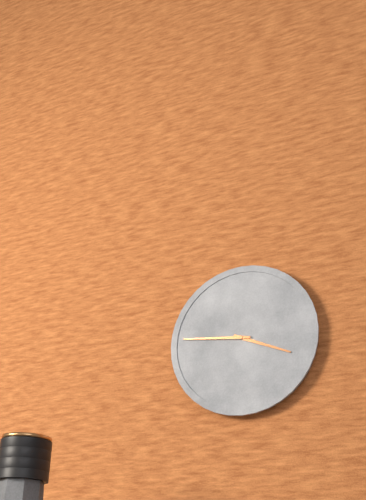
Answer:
3h46
